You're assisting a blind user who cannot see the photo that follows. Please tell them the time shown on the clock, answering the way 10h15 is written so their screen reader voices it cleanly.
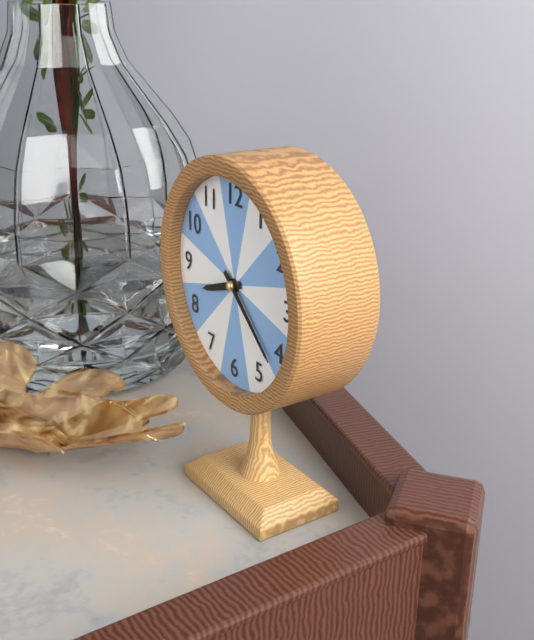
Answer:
8h22
